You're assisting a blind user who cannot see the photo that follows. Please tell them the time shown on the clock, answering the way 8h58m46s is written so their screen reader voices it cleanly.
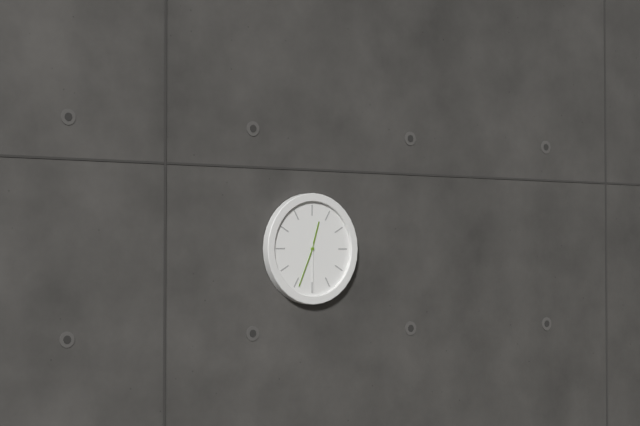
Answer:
12h34m30s
